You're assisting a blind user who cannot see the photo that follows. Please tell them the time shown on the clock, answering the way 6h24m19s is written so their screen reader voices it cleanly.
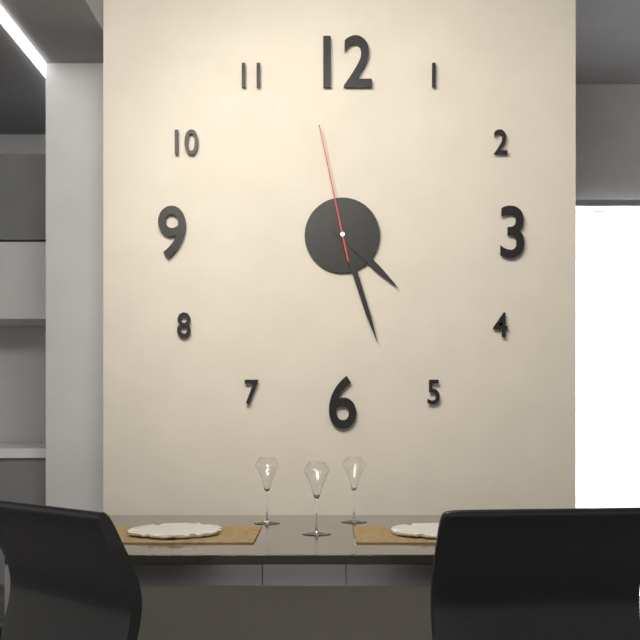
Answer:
4h27m58s
